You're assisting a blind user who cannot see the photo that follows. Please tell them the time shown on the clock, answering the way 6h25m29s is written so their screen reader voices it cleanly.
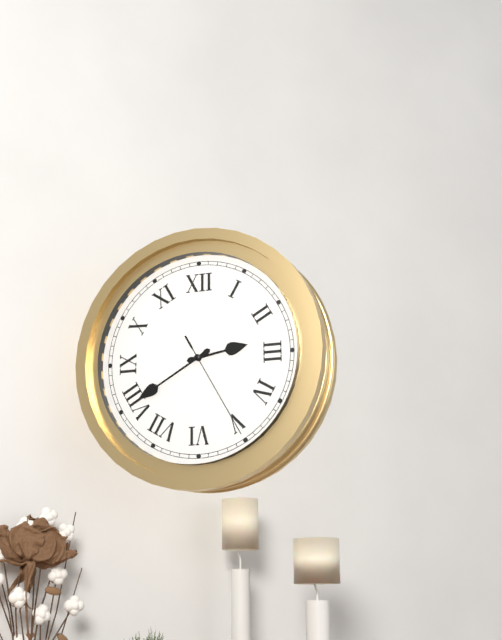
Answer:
2h40m25s
